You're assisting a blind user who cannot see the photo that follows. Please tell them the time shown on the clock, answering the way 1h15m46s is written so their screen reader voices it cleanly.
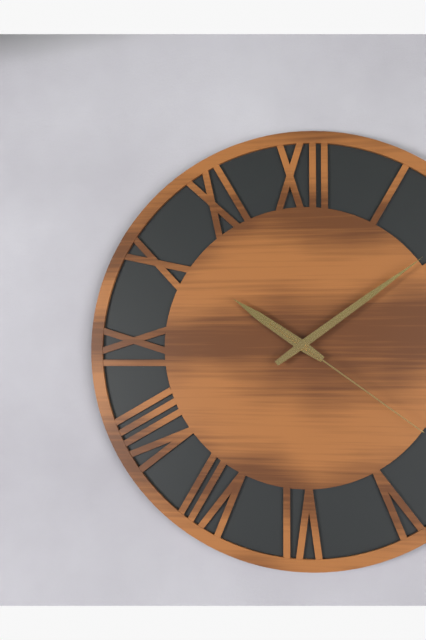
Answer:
10h09m21s
